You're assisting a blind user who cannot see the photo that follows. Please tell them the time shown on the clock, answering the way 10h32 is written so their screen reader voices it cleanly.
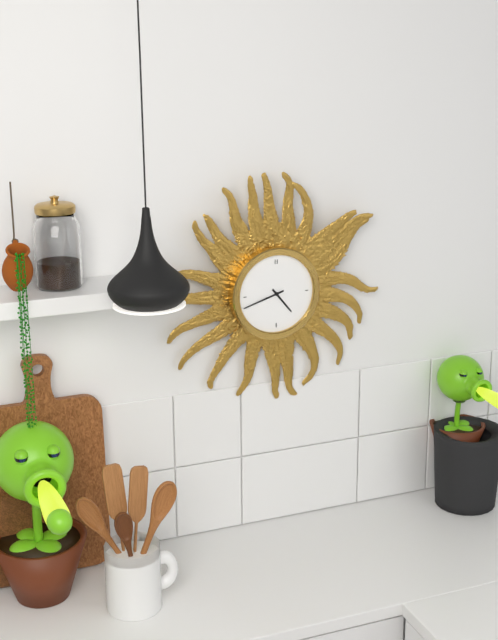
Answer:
4h42
